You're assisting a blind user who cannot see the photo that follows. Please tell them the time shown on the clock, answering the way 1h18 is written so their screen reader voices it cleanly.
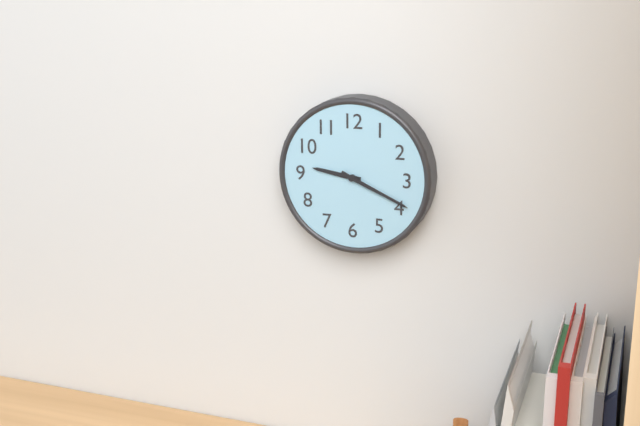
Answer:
9h19
